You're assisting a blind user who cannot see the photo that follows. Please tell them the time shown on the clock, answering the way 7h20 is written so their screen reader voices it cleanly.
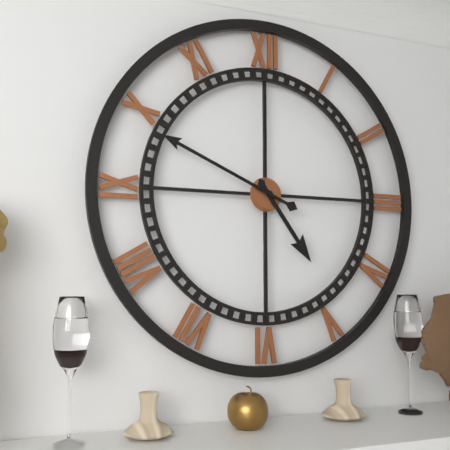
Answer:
4h49
